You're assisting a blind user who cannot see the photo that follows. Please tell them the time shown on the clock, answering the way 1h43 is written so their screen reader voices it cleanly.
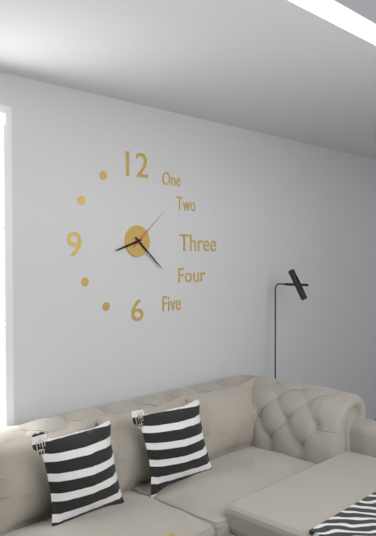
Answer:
8h22
